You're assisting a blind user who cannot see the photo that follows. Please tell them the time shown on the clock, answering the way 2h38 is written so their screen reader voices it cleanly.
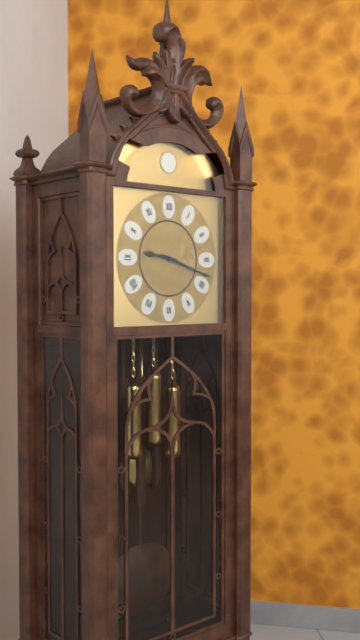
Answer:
9h18
